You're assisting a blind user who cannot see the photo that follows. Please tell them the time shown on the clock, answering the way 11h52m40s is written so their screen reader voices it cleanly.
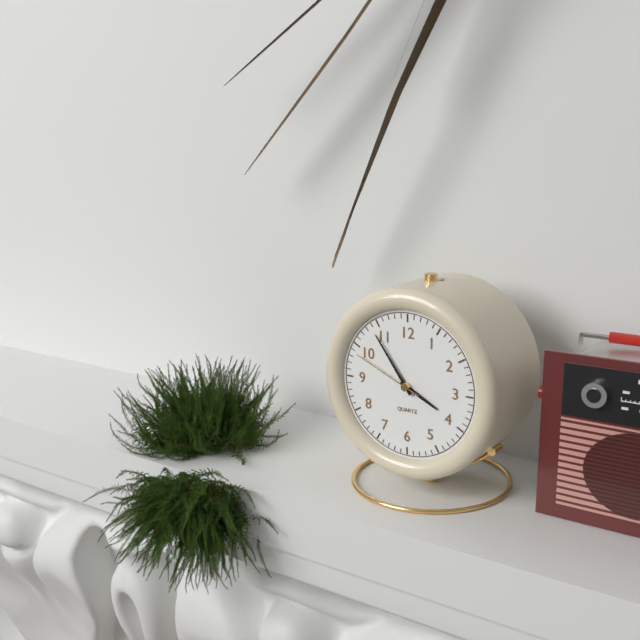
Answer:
3h54m49s
